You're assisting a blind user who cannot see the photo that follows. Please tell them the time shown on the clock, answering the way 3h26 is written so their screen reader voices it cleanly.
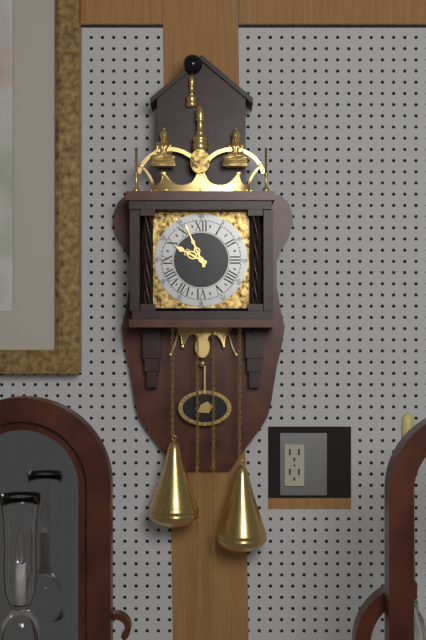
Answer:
9h56
